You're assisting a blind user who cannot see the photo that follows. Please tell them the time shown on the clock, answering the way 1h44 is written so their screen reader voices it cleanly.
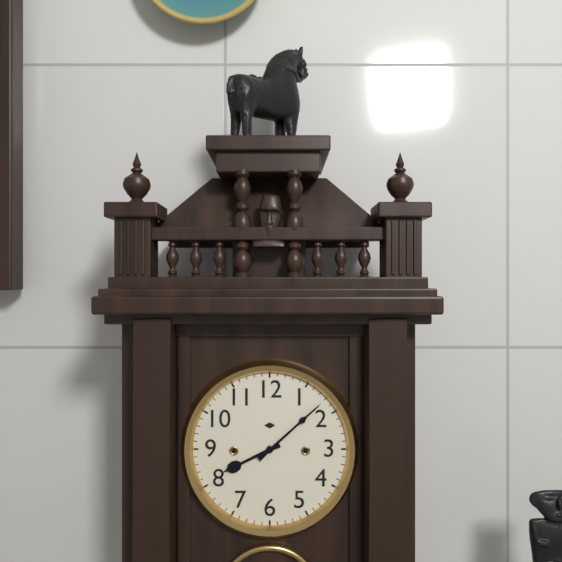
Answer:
8h08
